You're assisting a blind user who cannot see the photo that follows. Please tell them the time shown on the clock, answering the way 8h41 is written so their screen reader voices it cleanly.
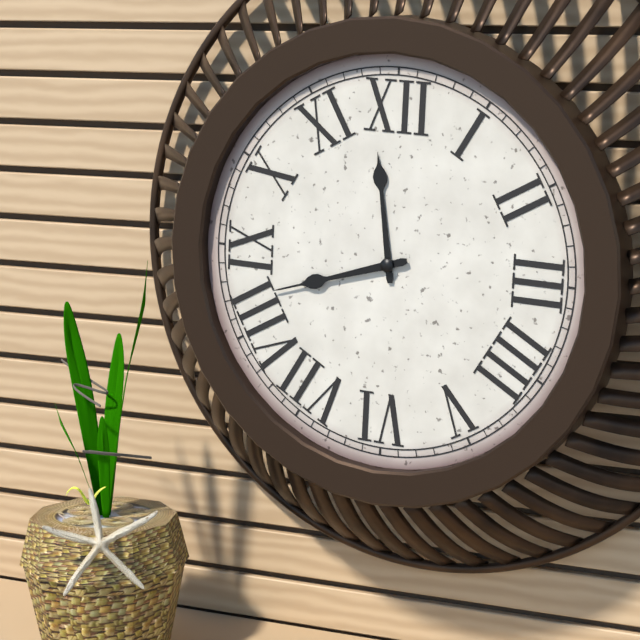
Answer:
11h42
